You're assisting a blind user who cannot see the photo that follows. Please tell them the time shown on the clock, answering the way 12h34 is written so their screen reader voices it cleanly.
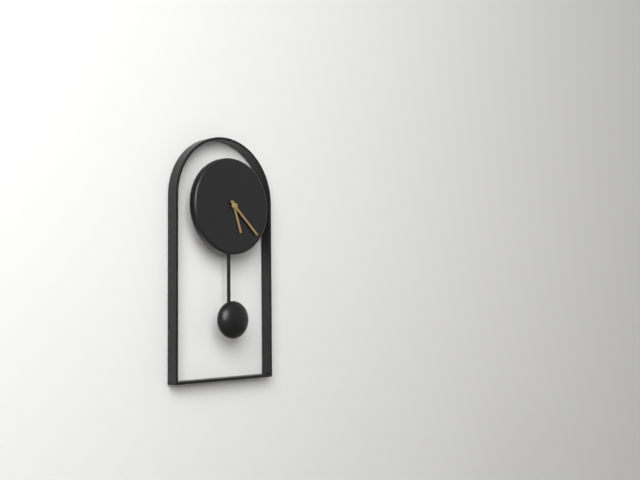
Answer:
5h22
